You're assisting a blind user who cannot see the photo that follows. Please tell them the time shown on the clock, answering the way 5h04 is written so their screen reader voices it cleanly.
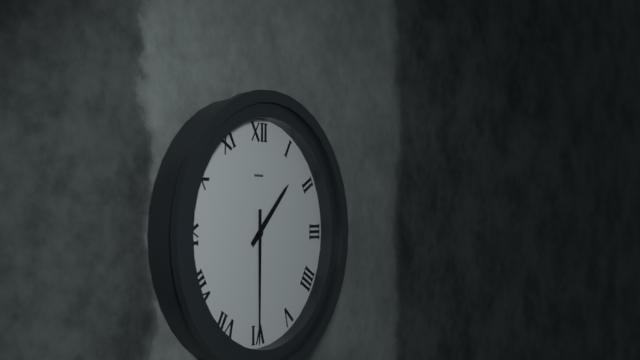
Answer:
1h30
